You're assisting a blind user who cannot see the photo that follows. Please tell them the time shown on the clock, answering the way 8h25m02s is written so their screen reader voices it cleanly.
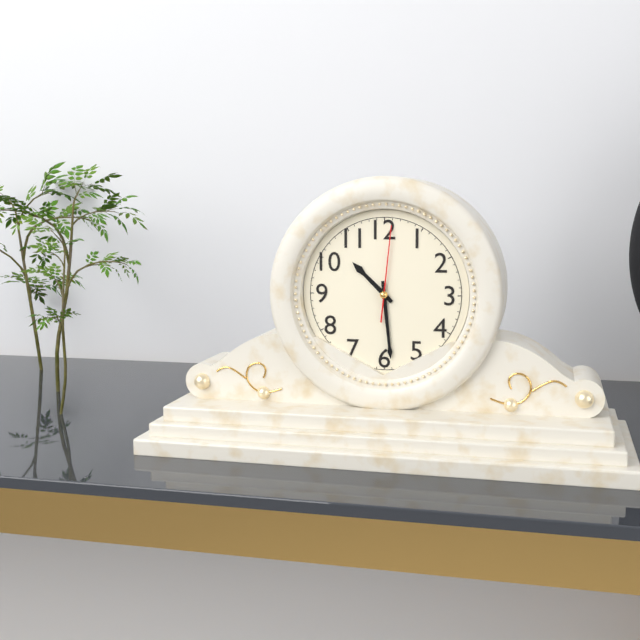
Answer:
10h29m01s
